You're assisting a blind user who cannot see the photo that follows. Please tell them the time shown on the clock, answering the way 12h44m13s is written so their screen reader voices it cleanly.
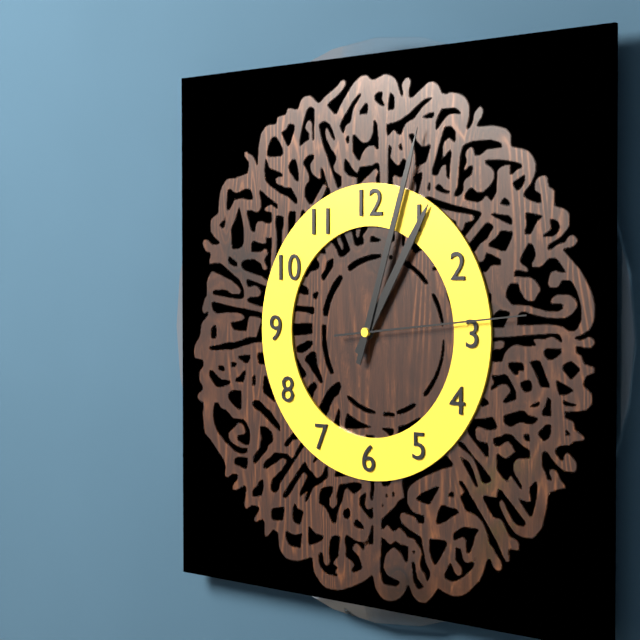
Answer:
1h03m14s
